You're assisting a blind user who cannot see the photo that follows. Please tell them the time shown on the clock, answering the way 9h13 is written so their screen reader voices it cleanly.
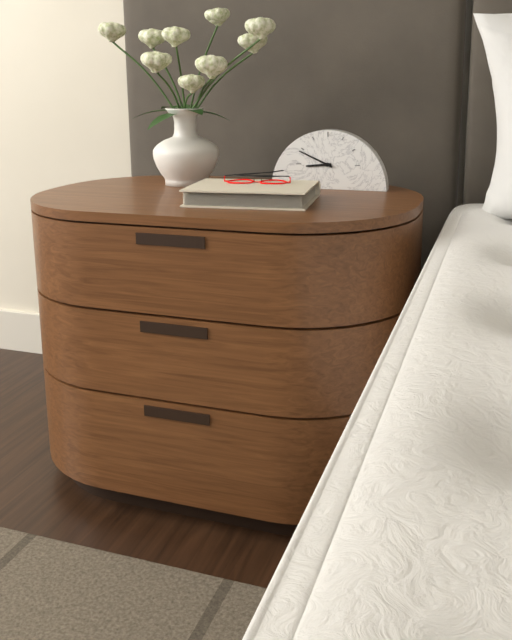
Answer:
8h49
